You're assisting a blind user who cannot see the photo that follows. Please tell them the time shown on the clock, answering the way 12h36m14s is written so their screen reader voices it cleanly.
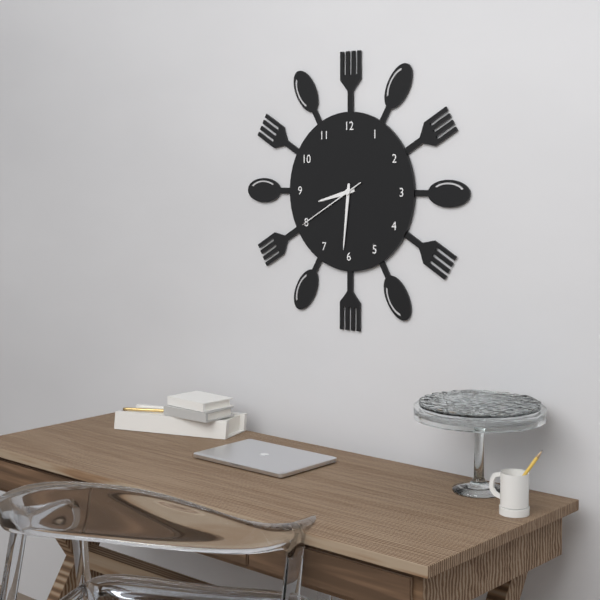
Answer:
8h31m40s
